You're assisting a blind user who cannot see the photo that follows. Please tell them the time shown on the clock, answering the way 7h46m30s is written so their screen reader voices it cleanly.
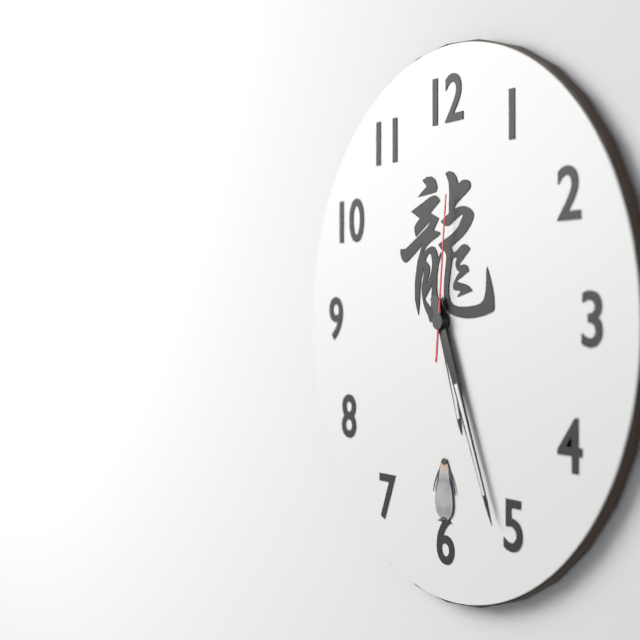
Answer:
5h26m01s
